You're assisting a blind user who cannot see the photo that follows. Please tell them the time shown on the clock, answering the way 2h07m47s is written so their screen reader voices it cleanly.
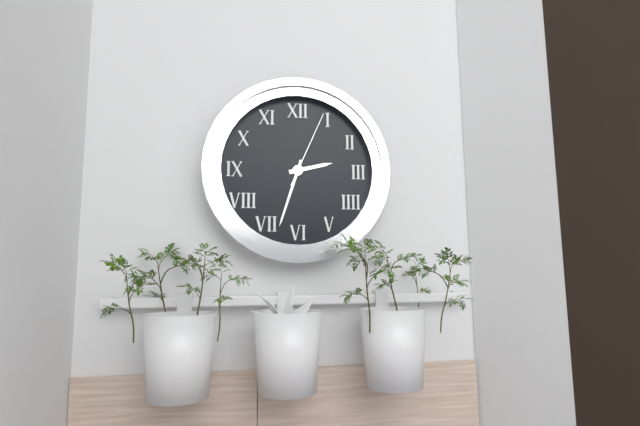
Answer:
2h33m04s
